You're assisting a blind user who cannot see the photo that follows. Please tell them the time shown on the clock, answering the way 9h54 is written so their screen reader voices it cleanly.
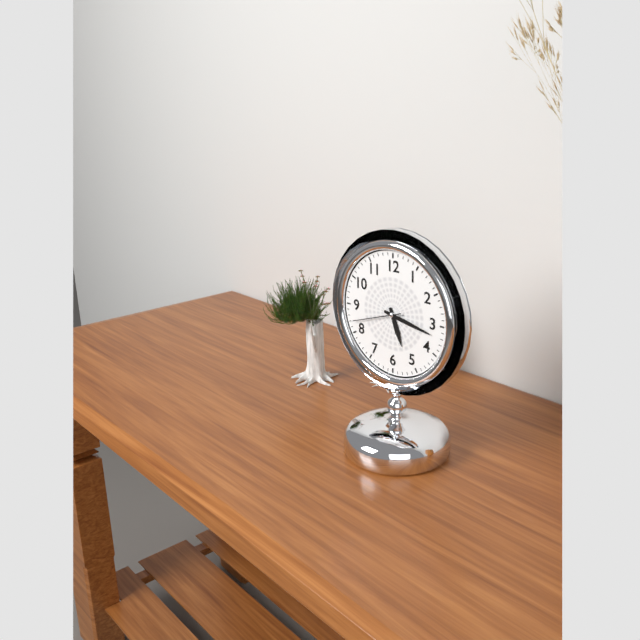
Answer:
5h17
